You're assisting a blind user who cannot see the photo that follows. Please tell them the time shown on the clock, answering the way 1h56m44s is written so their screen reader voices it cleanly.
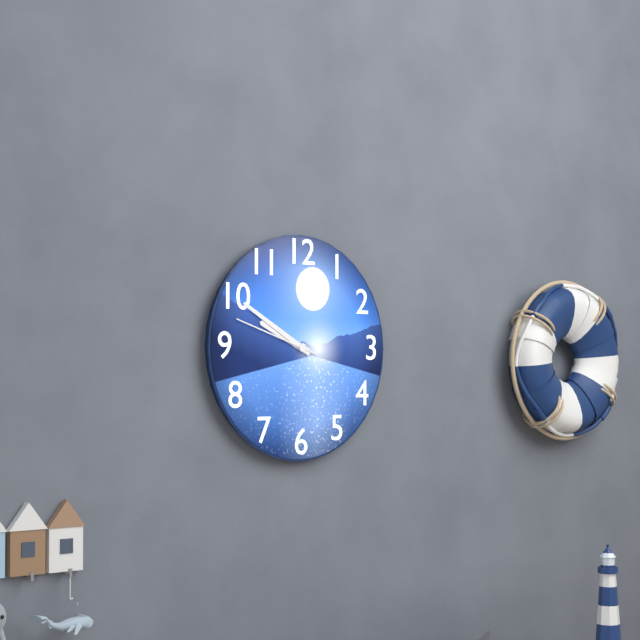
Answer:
9h50m48s
